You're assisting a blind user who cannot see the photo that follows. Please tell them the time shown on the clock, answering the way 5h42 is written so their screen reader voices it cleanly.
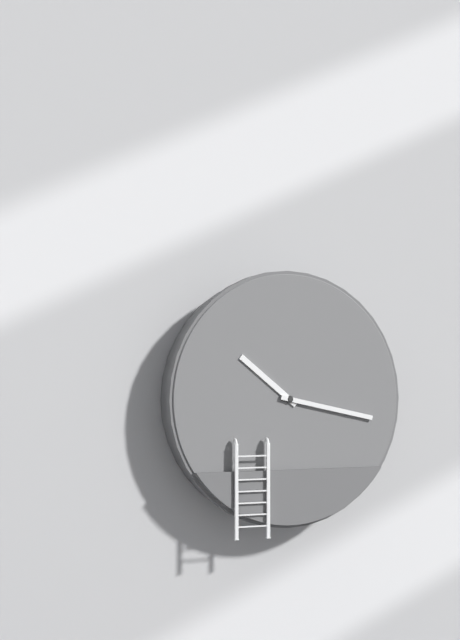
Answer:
10h17
